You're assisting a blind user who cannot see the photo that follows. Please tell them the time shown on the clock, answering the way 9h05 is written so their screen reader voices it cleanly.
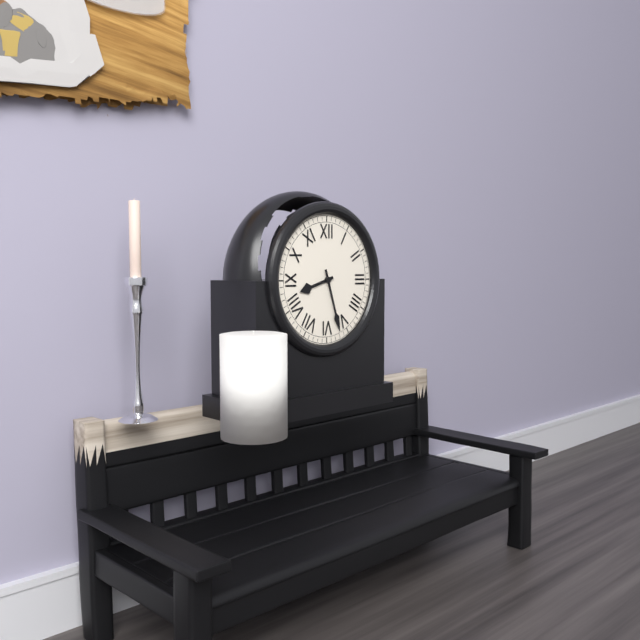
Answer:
8h27
